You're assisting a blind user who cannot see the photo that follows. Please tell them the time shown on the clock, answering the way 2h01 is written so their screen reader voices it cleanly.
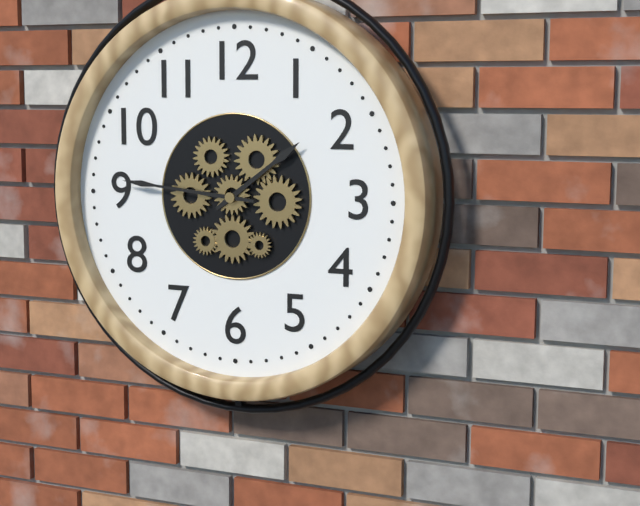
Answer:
1h46
